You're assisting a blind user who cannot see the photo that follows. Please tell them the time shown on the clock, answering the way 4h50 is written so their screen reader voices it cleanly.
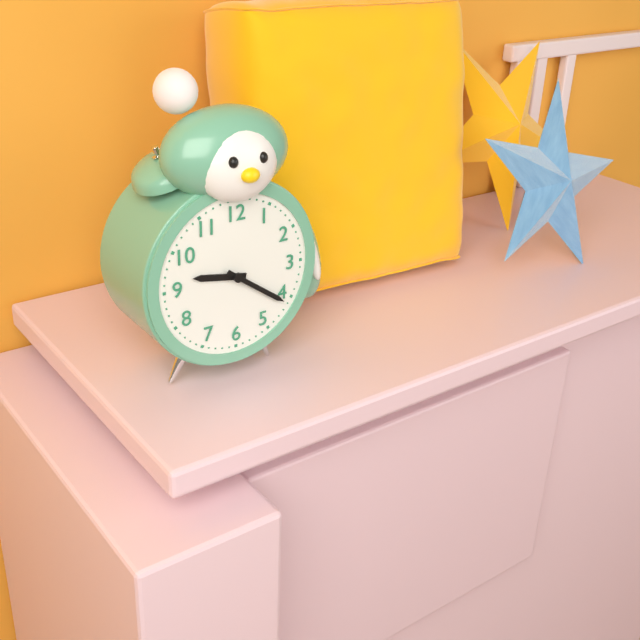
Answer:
9h21
